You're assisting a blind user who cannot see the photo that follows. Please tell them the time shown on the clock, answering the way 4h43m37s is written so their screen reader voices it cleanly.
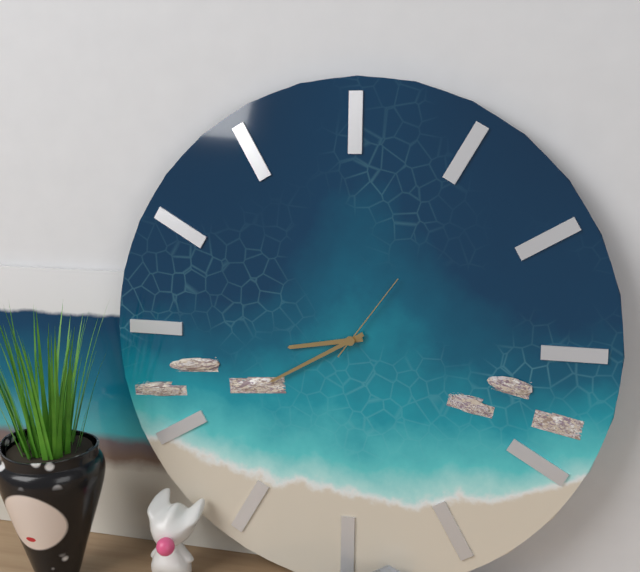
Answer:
8h40m06s
